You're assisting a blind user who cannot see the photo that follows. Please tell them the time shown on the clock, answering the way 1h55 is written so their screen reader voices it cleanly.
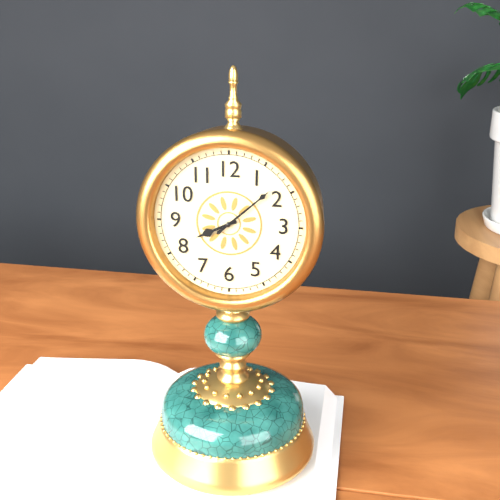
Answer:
8h08
